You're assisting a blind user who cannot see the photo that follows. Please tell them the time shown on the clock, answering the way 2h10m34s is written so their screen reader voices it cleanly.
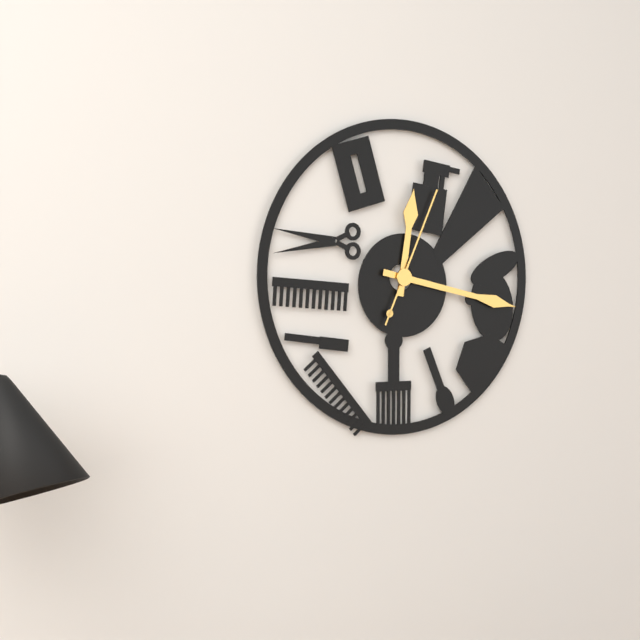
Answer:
12h17m04s
